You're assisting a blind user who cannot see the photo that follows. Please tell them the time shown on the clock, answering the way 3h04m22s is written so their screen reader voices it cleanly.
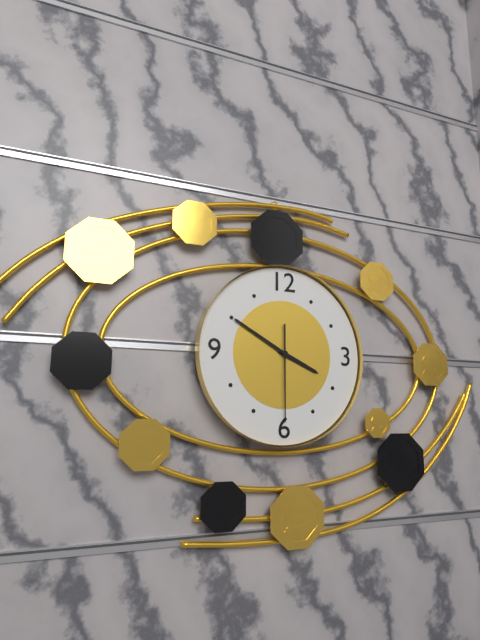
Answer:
3h50m30s
